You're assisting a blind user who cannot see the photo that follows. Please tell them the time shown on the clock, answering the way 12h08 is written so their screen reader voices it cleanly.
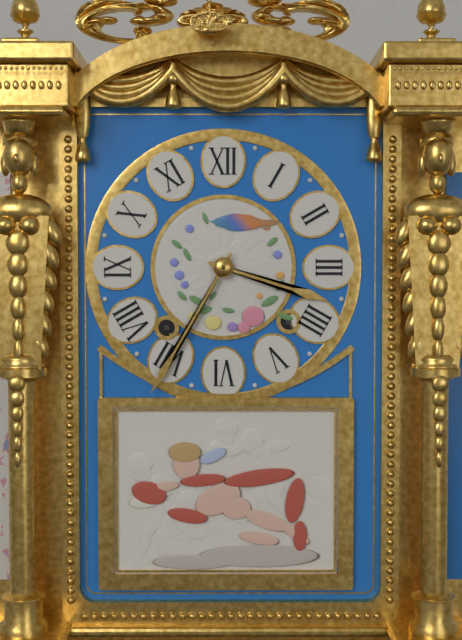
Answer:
3h35
